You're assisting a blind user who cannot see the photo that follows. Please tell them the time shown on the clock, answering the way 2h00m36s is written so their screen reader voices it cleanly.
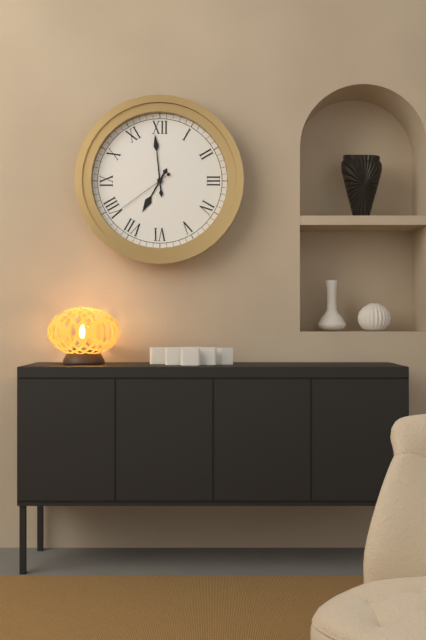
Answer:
6h59m39s
